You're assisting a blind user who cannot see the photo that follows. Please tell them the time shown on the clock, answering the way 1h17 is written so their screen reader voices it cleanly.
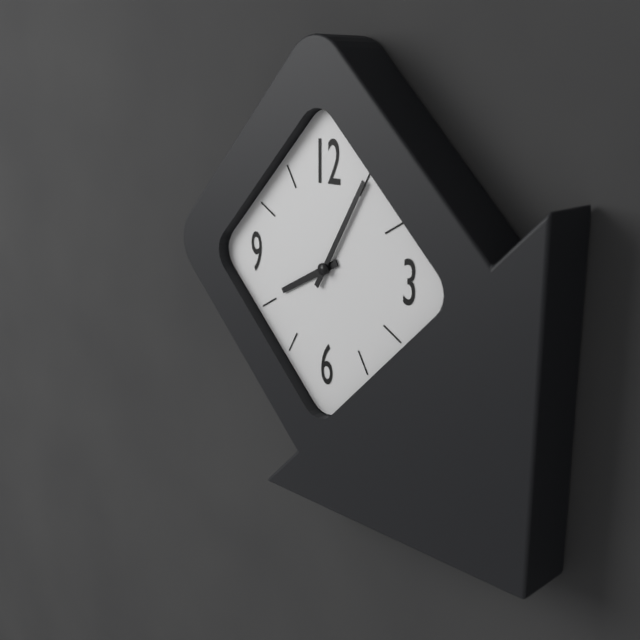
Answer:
8h05
